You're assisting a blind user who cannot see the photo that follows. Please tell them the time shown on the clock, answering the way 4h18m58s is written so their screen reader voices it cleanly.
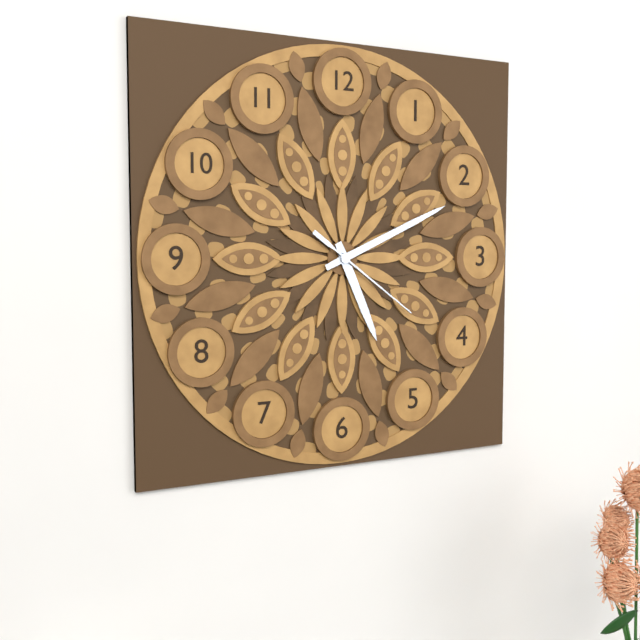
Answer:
5h11m21s
